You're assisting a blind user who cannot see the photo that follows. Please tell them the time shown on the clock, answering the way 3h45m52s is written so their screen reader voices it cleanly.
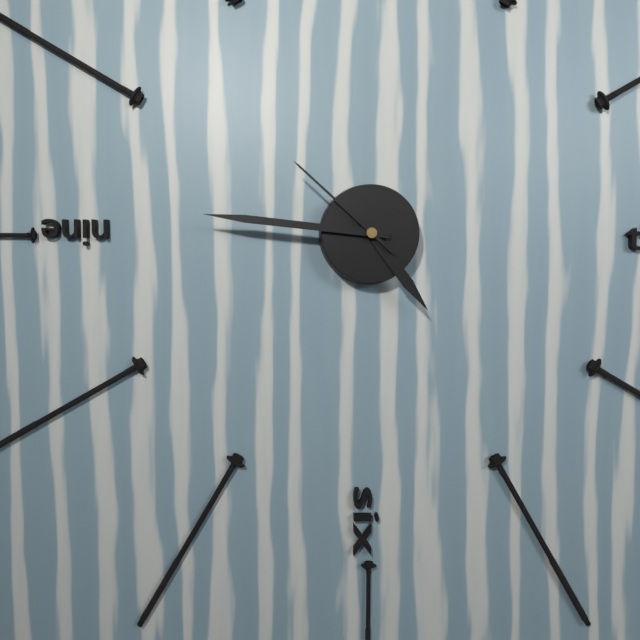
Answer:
4h46m52s
